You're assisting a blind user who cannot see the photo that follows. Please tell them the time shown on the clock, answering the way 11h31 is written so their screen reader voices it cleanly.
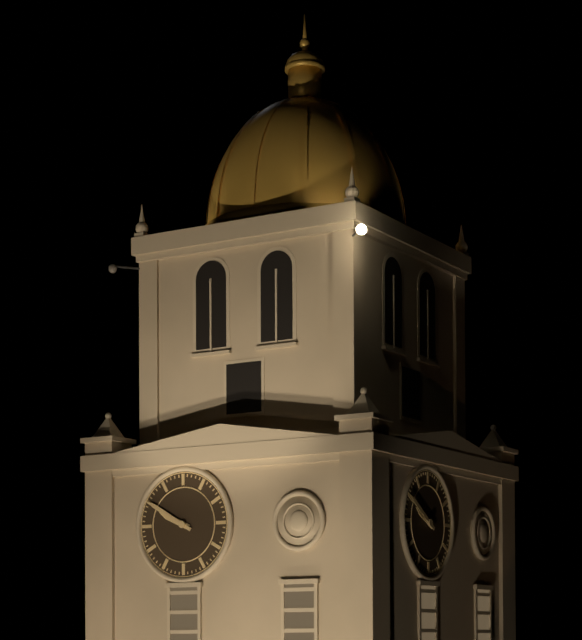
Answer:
9h50
